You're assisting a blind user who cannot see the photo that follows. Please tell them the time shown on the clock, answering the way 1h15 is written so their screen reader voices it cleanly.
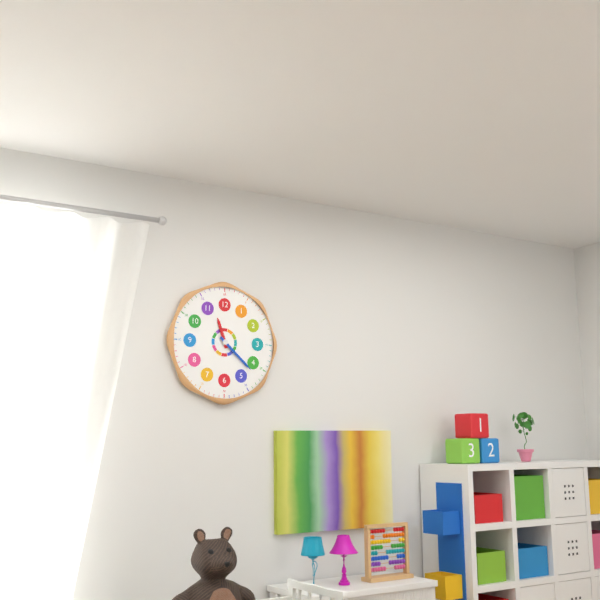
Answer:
11h22
